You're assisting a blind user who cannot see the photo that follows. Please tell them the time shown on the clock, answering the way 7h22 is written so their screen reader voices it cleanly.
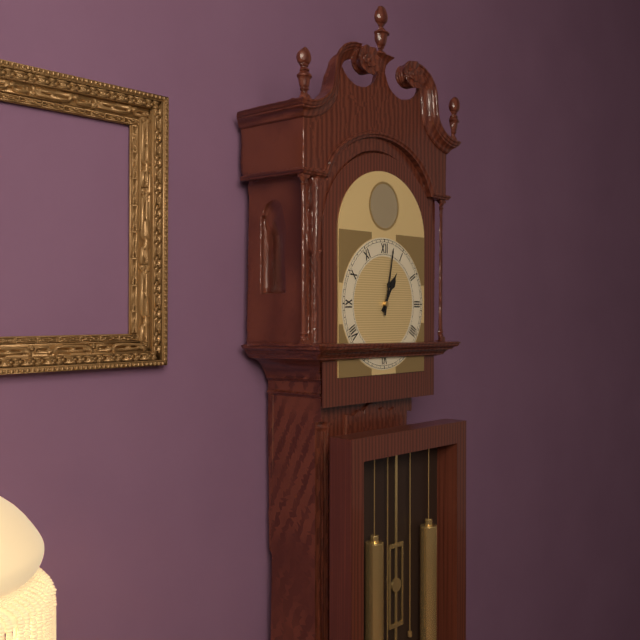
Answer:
1h02
